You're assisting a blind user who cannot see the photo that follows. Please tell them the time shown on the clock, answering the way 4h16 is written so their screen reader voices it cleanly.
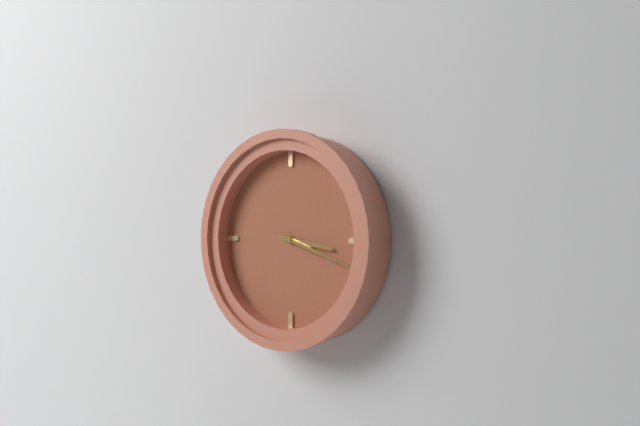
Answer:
3h18
